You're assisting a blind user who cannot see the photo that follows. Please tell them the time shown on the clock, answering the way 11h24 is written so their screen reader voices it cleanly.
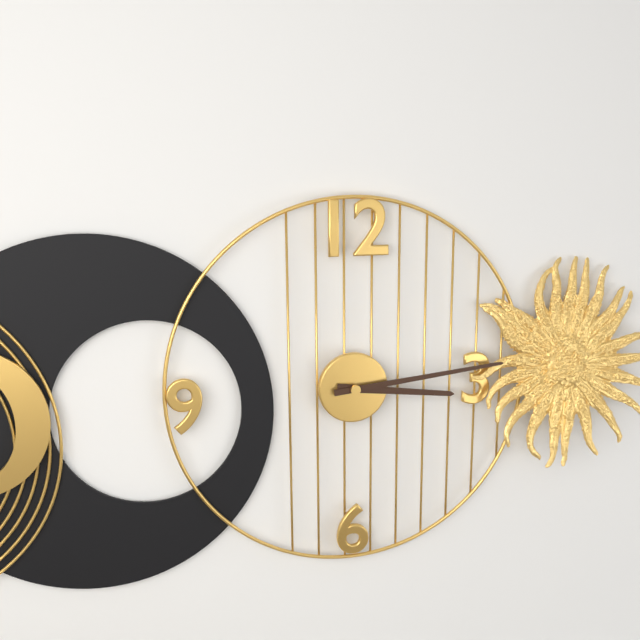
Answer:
3h14
